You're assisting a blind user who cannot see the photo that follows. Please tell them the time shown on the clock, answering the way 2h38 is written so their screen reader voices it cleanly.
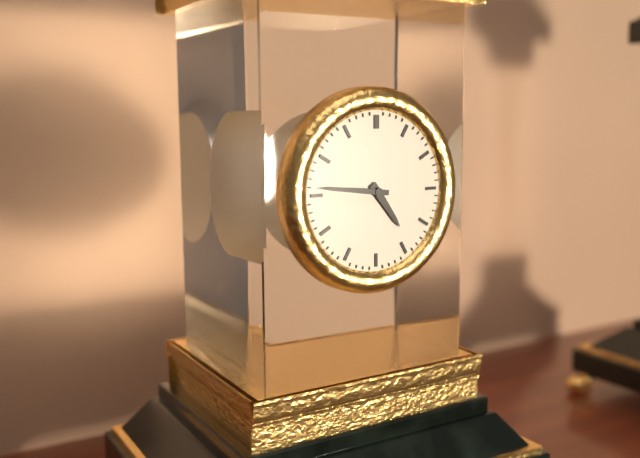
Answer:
4h46
